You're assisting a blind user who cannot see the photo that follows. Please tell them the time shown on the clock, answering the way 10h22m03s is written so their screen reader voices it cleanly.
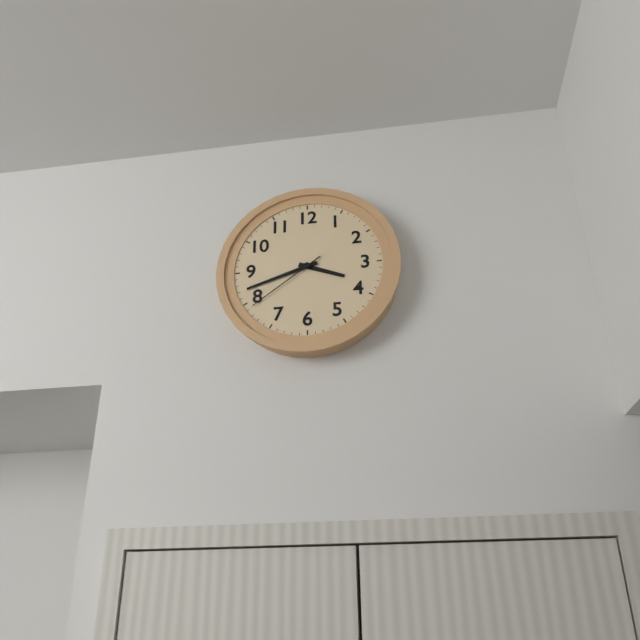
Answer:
3h42m39s
